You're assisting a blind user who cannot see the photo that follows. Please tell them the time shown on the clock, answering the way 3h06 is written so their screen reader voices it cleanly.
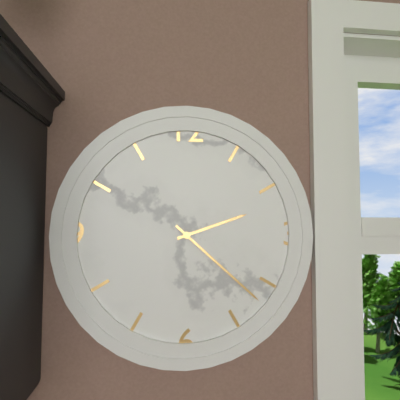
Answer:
2h22
